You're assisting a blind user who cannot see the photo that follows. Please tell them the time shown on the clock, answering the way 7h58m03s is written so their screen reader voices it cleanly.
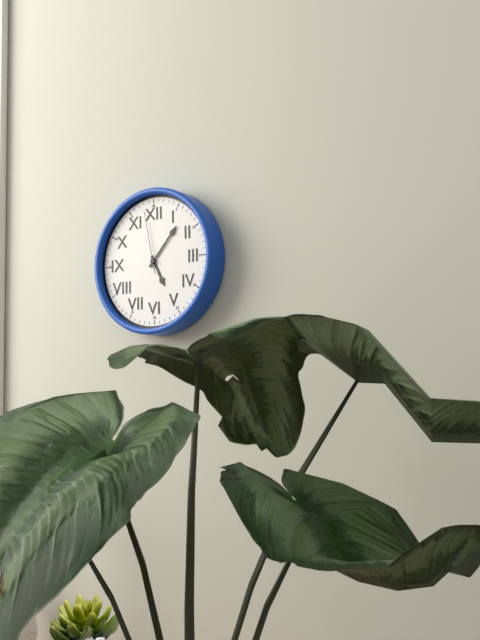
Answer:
5h07m58s
